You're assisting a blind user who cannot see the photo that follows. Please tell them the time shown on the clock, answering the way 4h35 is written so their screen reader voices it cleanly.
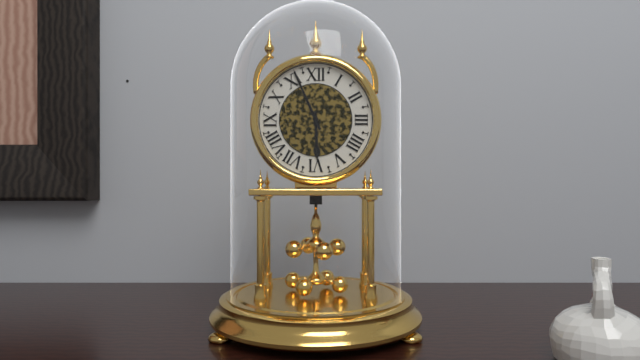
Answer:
5h56
